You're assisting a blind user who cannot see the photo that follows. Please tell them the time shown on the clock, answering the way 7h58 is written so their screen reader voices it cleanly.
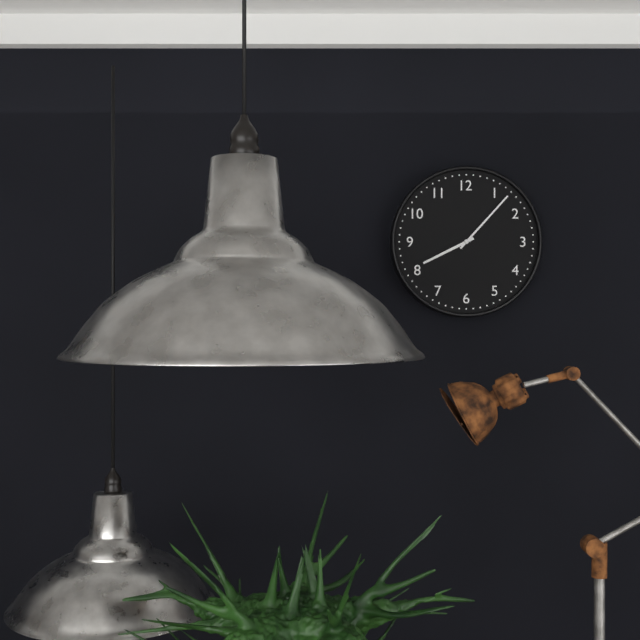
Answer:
8h07
